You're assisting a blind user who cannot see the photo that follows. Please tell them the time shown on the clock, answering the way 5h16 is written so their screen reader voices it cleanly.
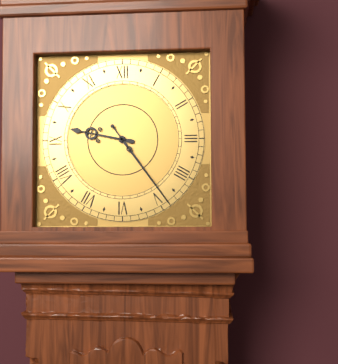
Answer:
9h24
